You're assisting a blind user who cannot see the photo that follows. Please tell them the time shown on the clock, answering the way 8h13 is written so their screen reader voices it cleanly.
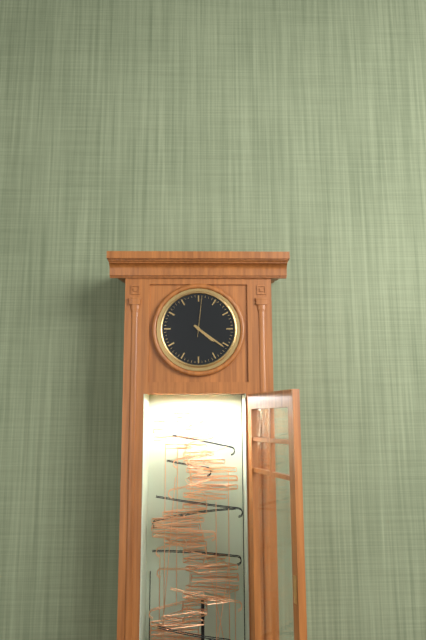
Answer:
4h21
